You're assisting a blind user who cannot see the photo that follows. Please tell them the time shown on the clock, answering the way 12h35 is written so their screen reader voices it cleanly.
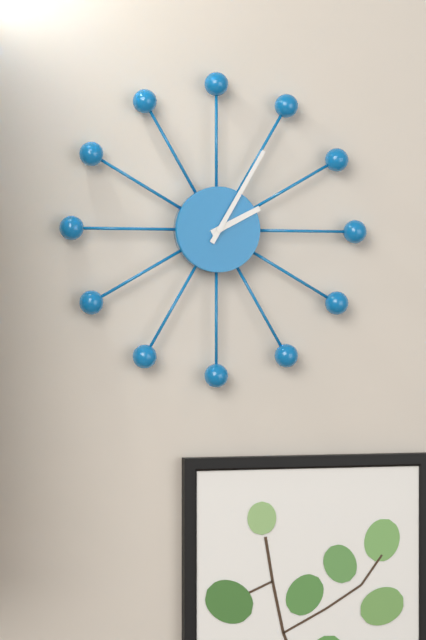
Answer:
2h05
